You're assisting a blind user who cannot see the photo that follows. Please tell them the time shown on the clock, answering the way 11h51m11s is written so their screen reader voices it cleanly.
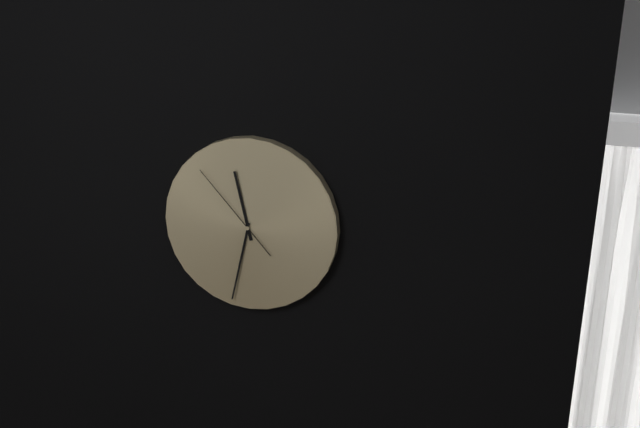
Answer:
11h32m53s
